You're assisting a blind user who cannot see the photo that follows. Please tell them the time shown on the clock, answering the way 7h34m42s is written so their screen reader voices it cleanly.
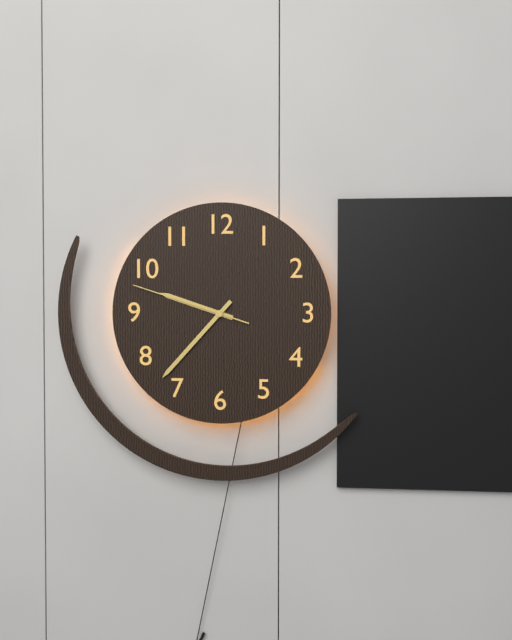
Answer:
9h37m48s
